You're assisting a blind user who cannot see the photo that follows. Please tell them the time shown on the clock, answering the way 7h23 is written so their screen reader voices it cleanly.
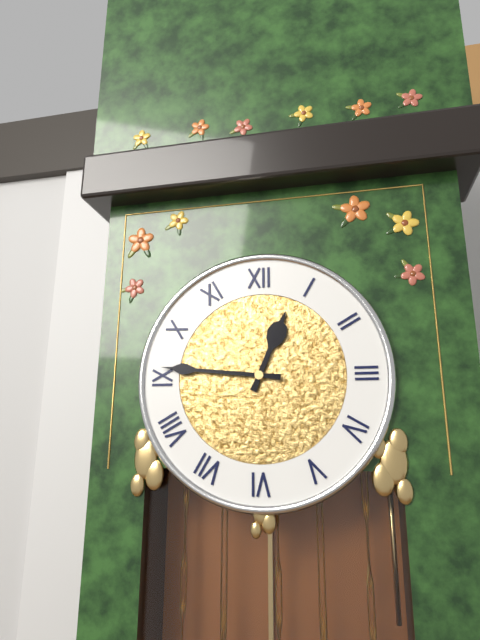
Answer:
12h46
